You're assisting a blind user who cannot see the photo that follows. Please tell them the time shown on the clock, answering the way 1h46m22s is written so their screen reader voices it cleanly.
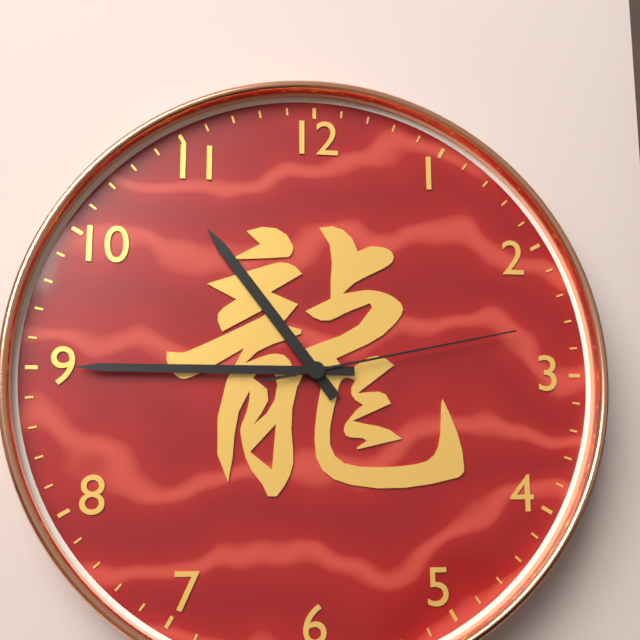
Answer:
10h45m13s
